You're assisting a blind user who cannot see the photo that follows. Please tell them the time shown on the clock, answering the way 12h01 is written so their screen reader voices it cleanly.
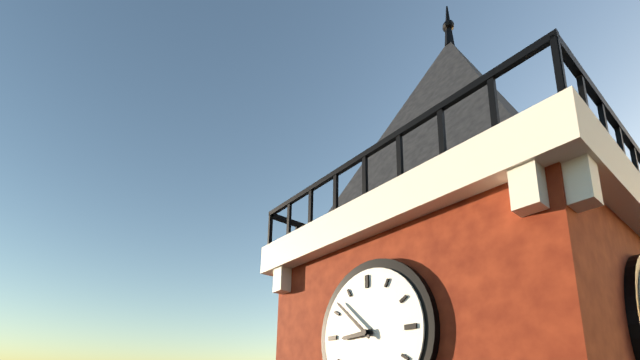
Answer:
8h52
